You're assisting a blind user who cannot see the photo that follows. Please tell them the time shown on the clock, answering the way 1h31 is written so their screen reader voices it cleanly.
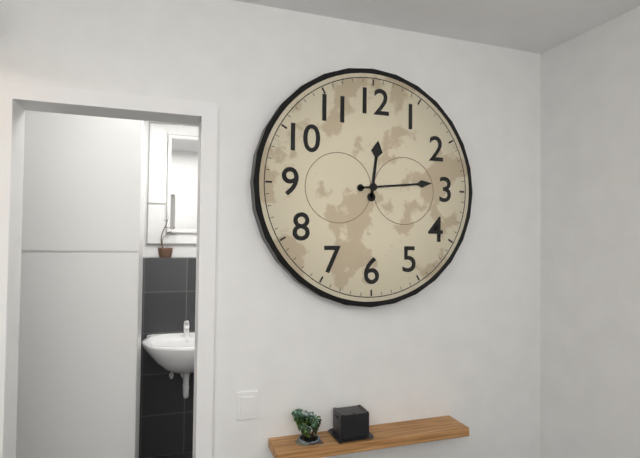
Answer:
12h14
